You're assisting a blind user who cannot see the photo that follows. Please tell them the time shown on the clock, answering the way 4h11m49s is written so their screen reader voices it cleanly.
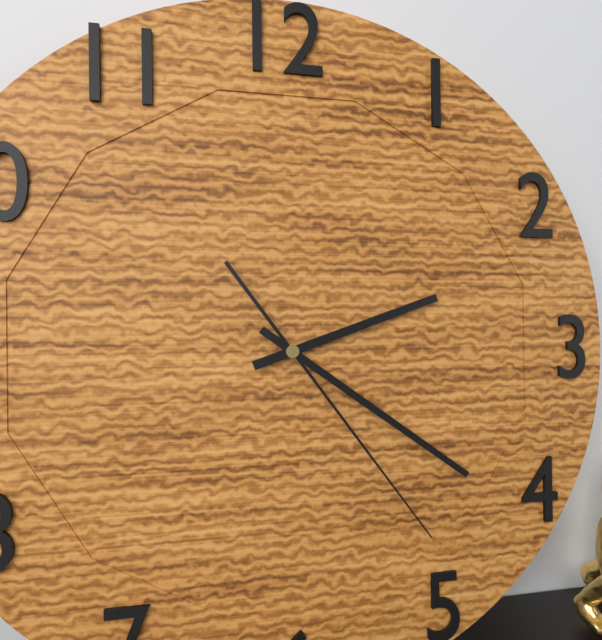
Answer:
2h21m24s
